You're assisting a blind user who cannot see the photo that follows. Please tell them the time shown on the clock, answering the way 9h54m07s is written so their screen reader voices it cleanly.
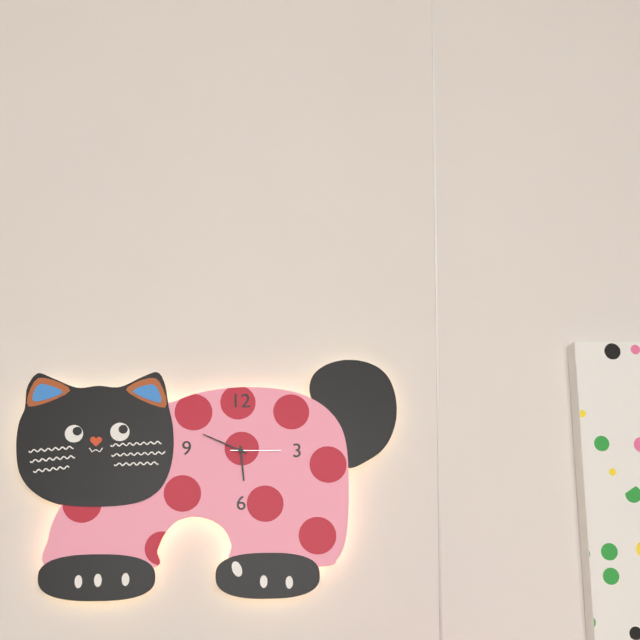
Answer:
5h49m15s
